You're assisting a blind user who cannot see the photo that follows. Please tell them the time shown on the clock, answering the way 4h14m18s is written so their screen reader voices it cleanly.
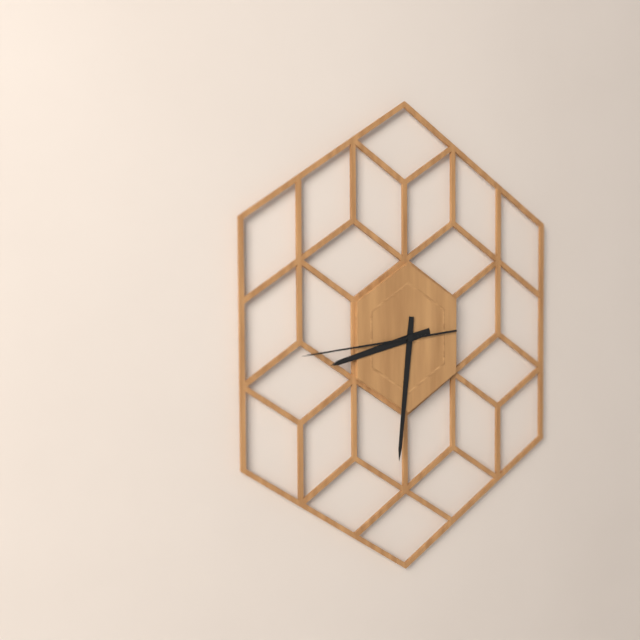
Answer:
8h31m44s
